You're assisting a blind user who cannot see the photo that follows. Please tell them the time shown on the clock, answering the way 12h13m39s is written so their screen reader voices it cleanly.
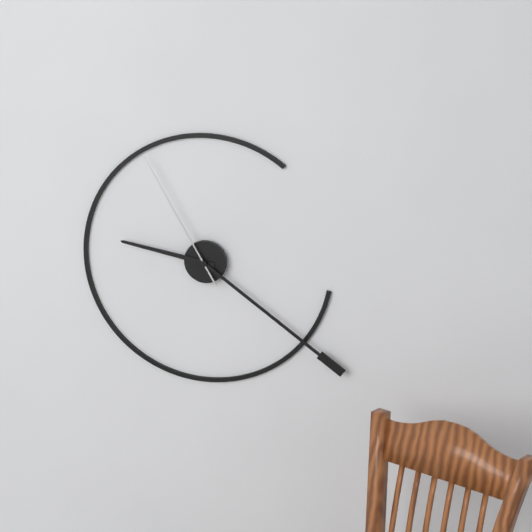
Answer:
9h21m55s
